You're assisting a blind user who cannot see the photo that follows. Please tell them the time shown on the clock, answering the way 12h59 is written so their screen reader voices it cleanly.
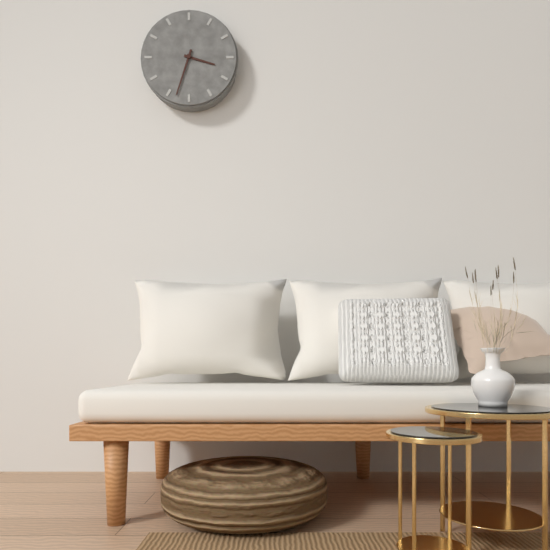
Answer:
3h33
